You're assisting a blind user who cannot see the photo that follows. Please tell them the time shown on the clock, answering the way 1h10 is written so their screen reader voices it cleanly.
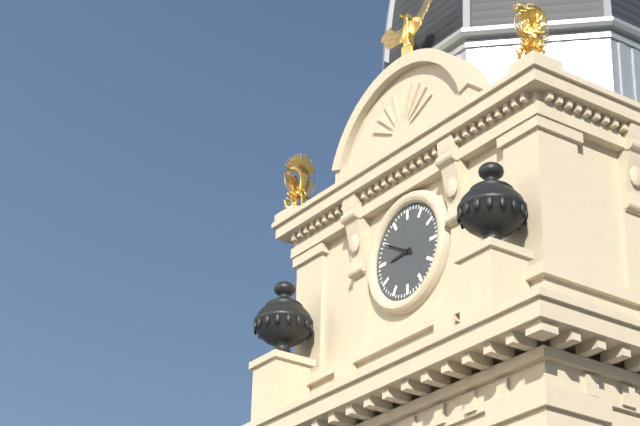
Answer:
8h50
